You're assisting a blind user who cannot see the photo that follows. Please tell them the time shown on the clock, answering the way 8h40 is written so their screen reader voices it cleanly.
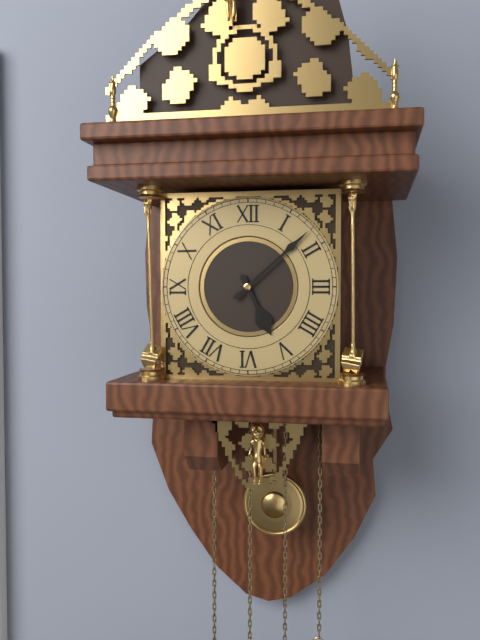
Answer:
5h08
